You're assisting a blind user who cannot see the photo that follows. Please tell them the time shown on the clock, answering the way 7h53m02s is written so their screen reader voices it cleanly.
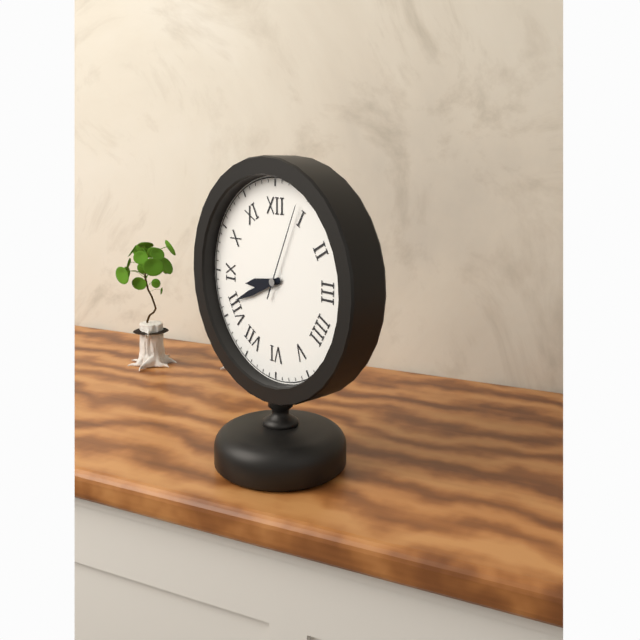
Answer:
8h41m04s
